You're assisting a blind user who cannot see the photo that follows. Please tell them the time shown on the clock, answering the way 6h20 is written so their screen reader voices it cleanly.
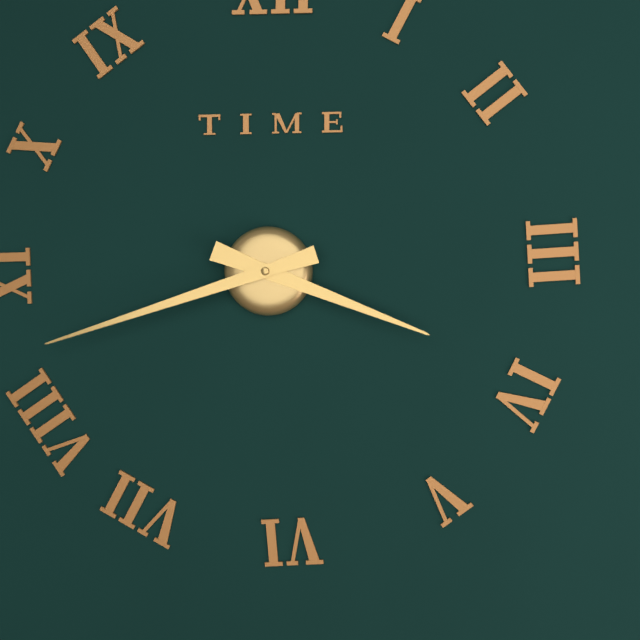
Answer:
3h42
